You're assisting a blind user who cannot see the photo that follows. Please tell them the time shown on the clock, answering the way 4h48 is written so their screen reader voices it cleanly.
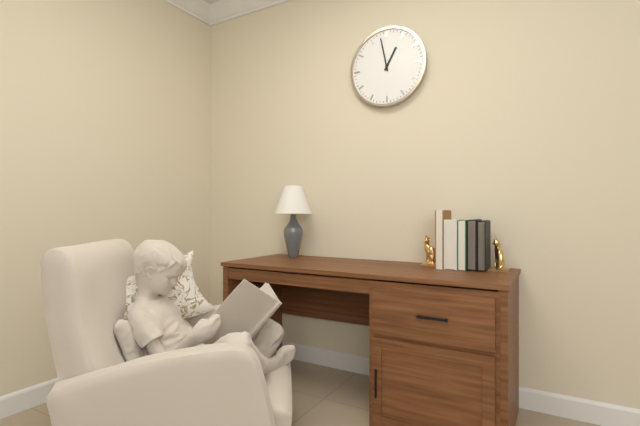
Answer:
12h58
